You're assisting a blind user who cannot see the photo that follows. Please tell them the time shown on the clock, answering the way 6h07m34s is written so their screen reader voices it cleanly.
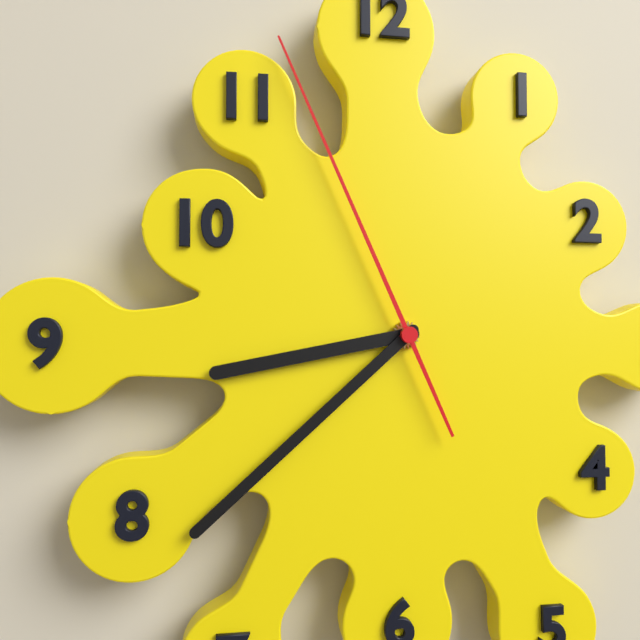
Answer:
8h38m56s
